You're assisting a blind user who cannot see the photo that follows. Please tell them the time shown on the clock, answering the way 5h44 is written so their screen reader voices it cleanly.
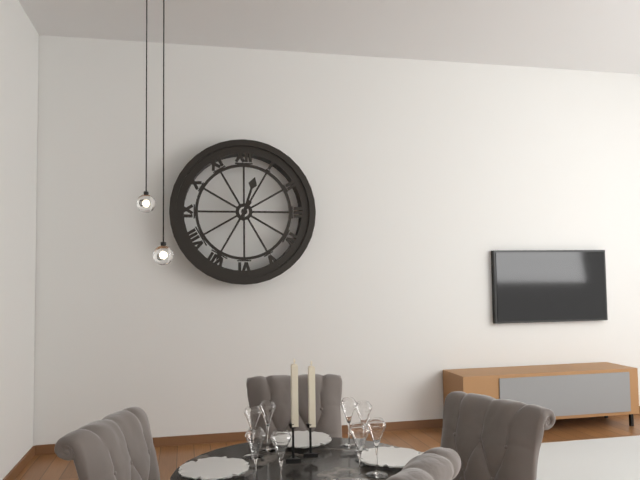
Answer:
12h35
